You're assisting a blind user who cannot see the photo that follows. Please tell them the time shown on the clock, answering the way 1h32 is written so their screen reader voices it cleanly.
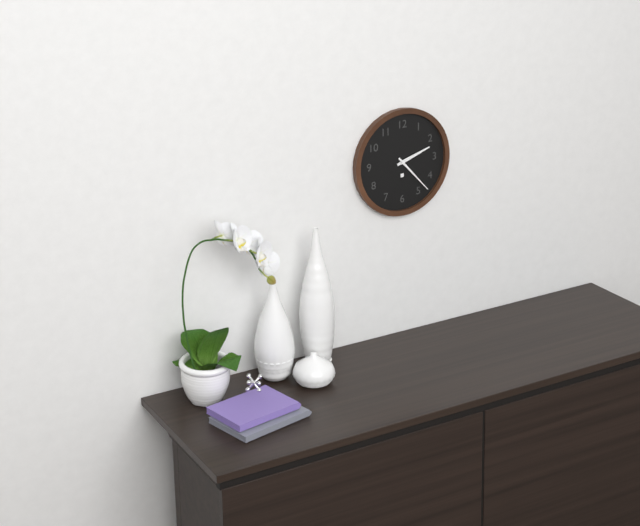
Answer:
2h23
